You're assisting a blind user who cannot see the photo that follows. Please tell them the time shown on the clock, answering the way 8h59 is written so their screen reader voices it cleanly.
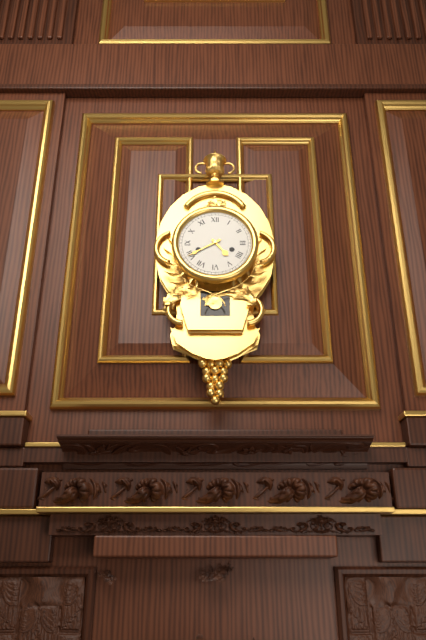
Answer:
4h40
